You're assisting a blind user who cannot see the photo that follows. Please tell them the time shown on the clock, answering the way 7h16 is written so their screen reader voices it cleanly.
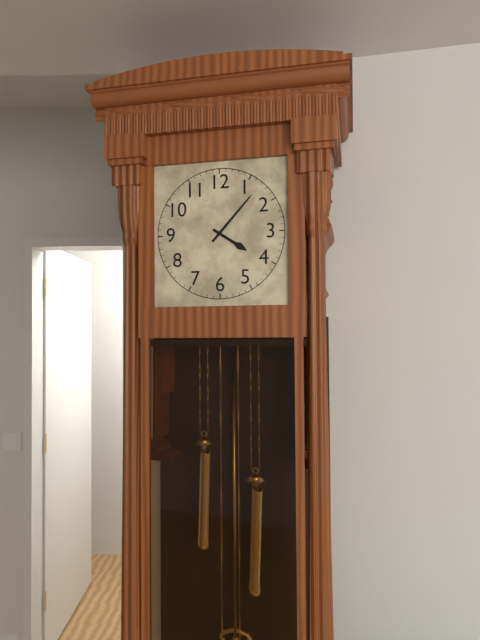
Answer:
4h07
